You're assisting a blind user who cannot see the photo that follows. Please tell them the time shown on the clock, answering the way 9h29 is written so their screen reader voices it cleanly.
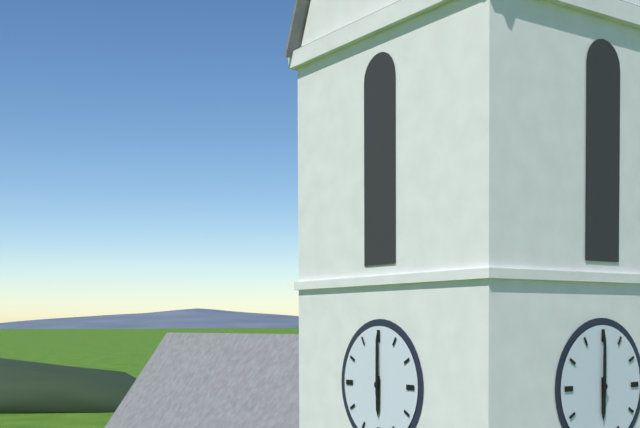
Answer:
6h00
